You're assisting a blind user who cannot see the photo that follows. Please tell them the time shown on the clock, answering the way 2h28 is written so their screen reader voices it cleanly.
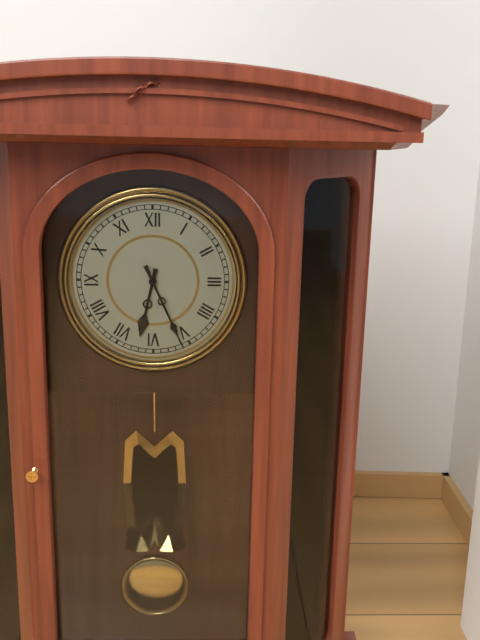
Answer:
6h26
